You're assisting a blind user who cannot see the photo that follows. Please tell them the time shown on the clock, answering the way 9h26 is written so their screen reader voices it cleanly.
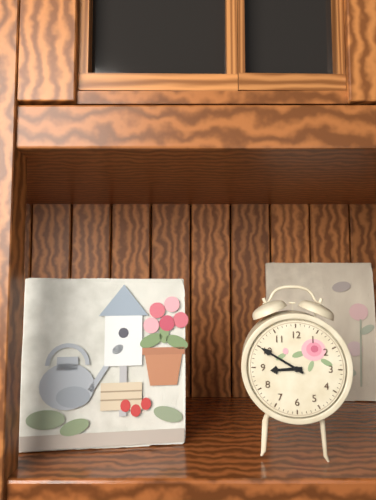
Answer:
8h50
